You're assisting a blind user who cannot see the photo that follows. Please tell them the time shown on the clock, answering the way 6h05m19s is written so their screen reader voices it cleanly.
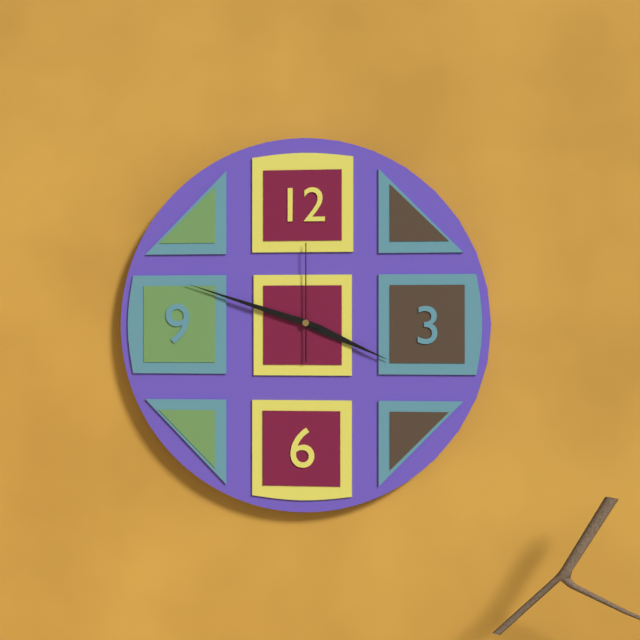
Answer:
3h48m00s
